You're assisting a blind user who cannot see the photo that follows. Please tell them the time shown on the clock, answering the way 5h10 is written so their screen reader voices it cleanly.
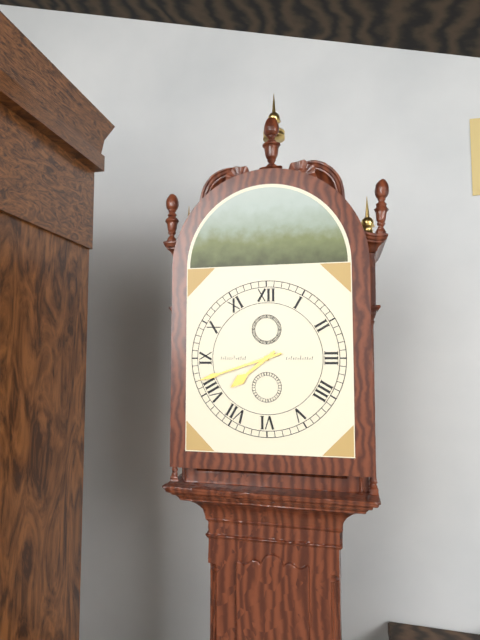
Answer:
7h42
